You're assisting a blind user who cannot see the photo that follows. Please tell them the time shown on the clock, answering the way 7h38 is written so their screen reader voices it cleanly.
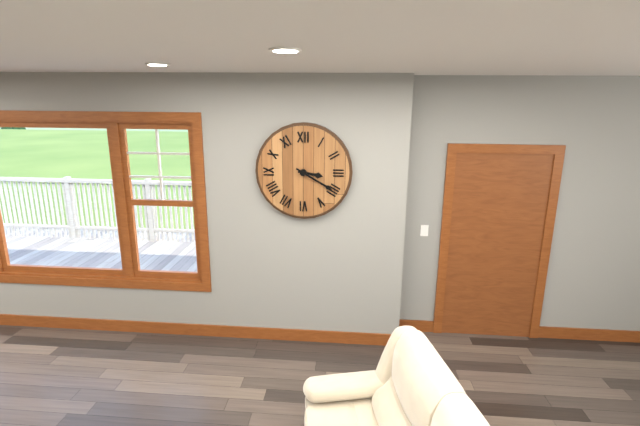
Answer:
3h20
